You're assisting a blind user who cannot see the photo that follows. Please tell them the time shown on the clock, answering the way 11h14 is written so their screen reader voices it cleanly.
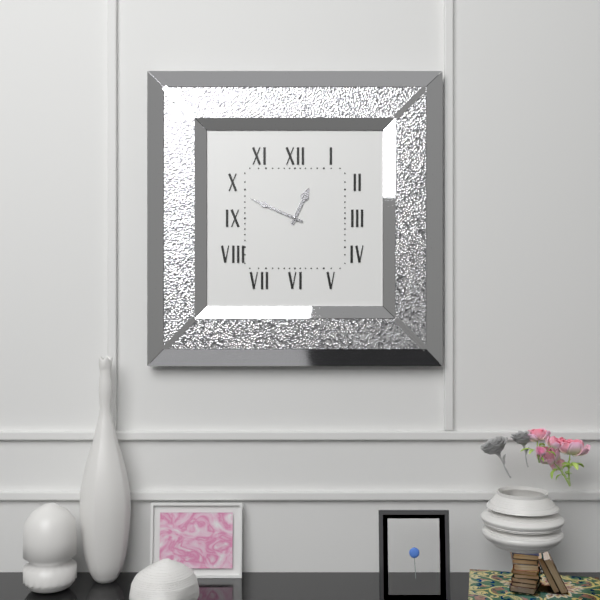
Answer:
12h49
